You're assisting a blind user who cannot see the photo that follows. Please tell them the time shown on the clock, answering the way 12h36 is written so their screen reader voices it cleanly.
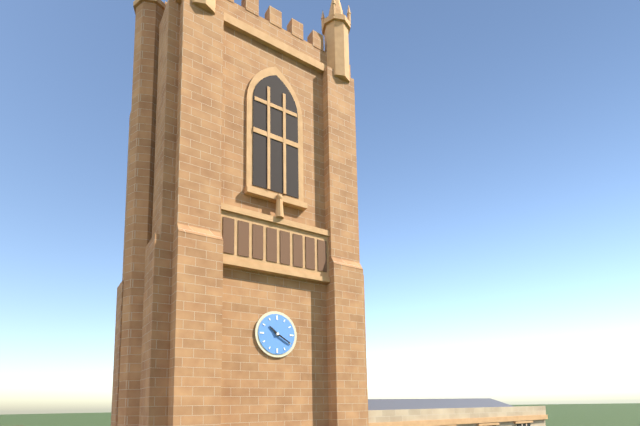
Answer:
10h20
